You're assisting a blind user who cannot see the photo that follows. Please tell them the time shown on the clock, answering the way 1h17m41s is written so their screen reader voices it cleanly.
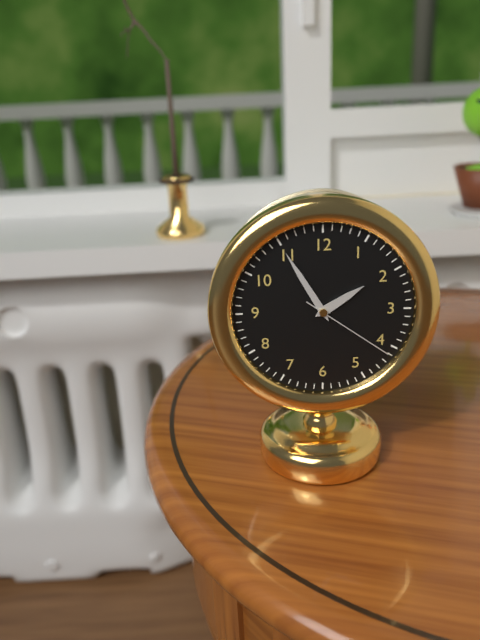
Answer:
1h55m21s
